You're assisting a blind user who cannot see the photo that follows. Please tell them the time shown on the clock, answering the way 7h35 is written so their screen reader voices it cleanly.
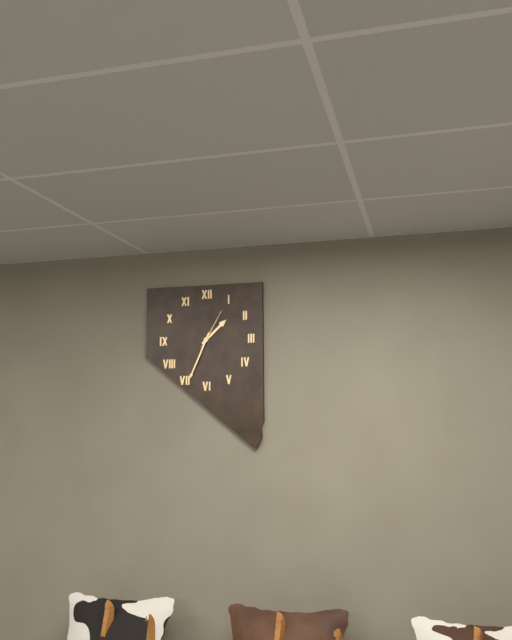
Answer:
1h34
